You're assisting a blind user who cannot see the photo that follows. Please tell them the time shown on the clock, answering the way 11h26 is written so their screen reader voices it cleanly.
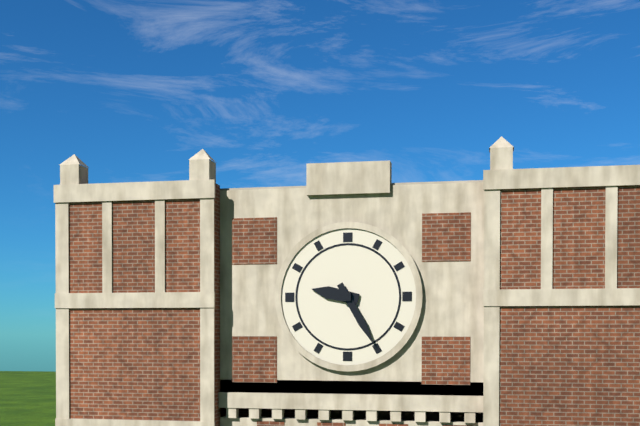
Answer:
9h25
